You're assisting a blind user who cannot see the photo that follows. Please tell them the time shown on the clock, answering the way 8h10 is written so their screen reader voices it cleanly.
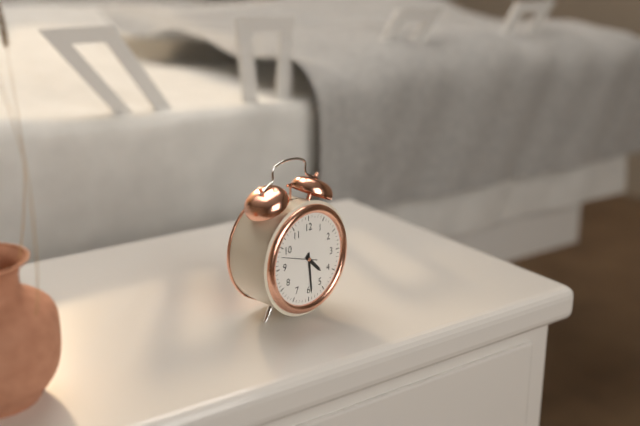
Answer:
4h29
